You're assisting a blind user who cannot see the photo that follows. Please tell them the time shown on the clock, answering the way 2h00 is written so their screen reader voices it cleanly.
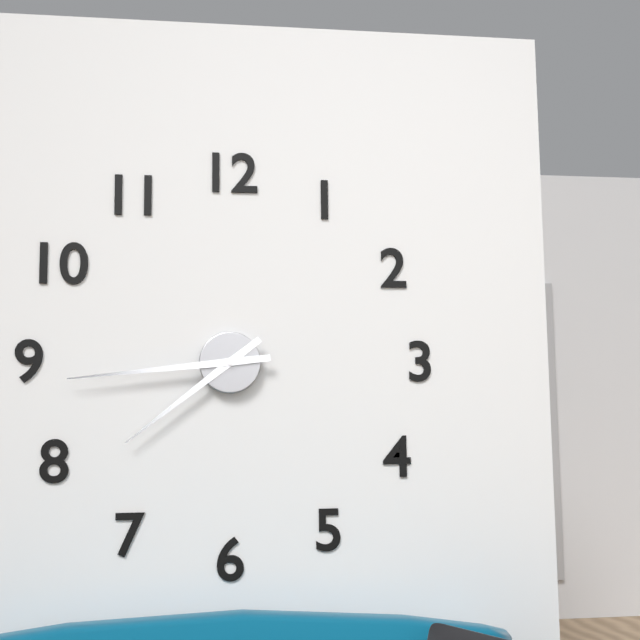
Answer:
7h44
